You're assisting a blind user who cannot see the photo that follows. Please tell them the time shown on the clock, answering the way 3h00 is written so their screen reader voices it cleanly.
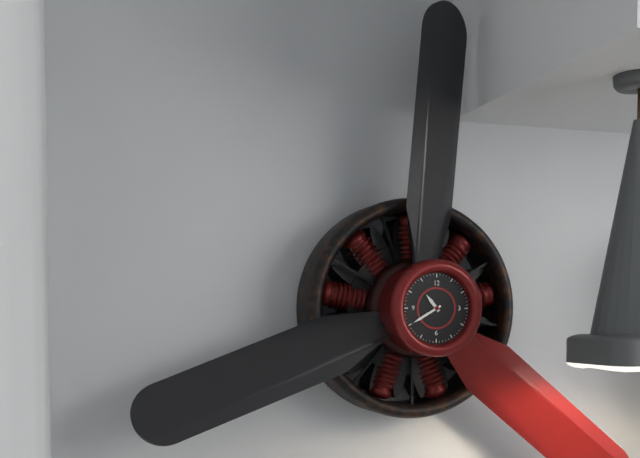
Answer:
10h40
